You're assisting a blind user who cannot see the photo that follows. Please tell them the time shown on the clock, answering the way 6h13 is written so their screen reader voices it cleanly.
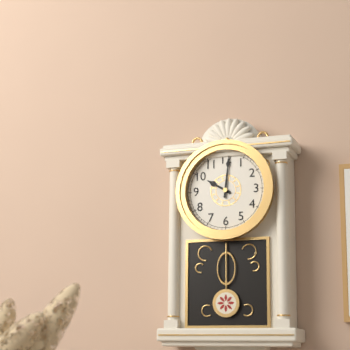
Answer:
10h01
